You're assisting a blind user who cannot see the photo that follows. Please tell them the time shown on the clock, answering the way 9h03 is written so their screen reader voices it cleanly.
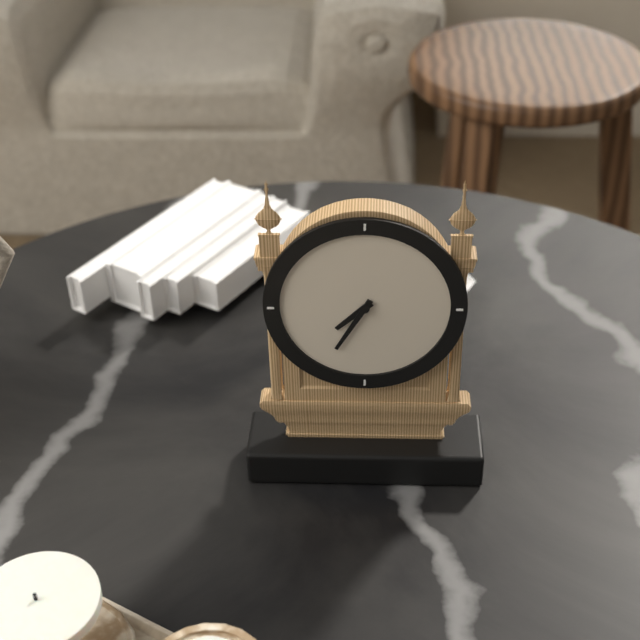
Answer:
7h35
